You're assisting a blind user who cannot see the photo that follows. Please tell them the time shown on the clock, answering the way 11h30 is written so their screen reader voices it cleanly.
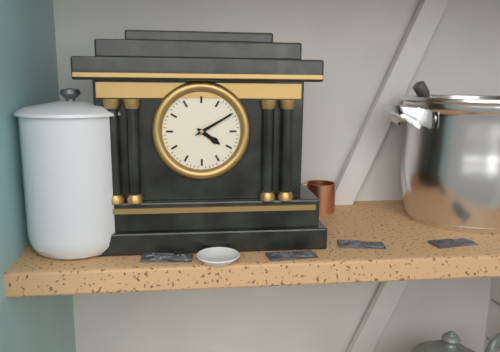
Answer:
4h10
